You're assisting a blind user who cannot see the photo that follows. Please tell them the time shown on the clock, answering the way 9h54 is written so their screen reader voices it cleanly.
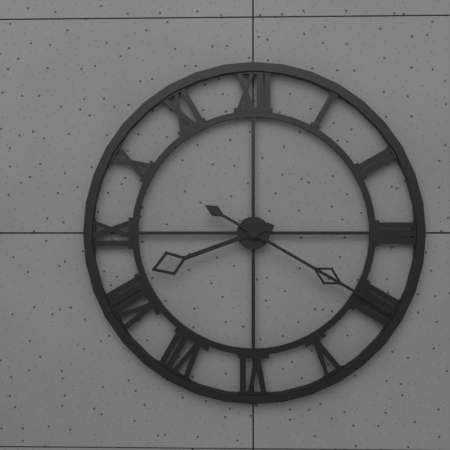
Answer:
8h20
